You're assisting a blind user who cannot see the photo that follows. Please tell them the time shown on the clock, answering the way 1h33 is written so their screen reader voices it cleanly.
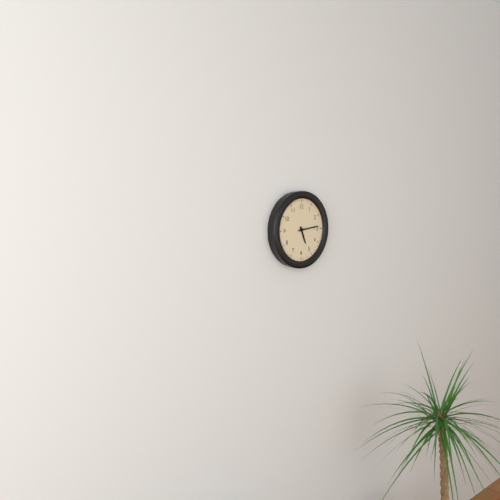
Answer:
5h14
